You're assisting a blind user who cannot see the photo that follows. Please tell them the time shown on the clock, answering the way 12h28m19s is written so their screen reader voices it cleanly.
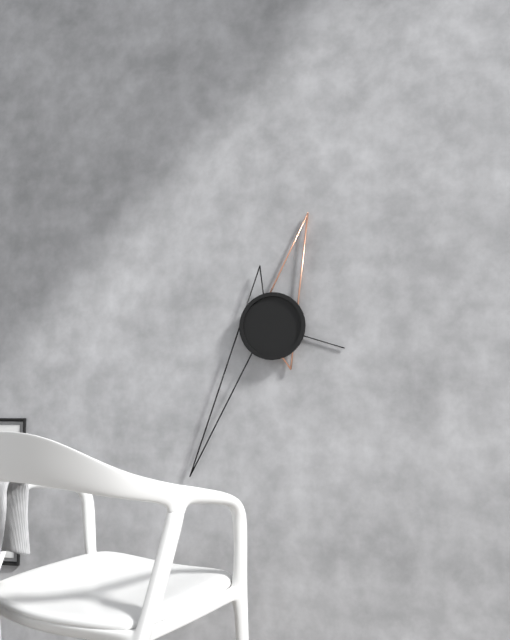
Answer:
12h35m18s
